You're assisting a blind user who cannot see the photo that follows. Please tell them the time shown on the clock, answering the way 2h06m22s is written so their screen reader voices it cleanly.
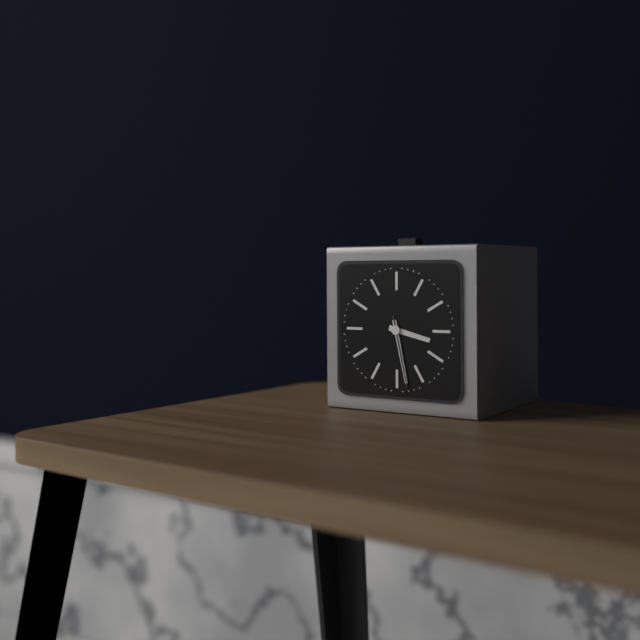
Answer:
3h28m28s
